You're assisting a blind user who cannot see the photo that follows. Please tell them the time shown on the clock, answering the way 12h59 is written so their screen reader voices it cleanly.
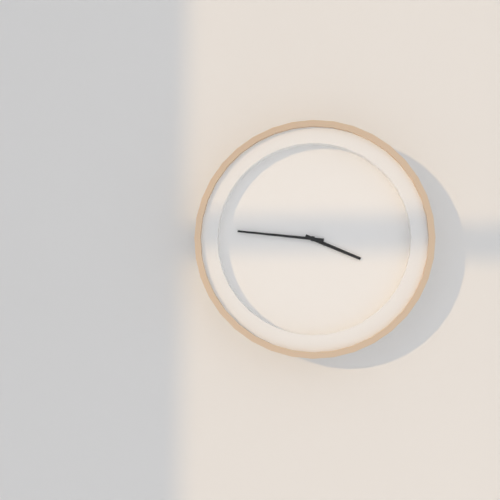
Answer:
3h46
